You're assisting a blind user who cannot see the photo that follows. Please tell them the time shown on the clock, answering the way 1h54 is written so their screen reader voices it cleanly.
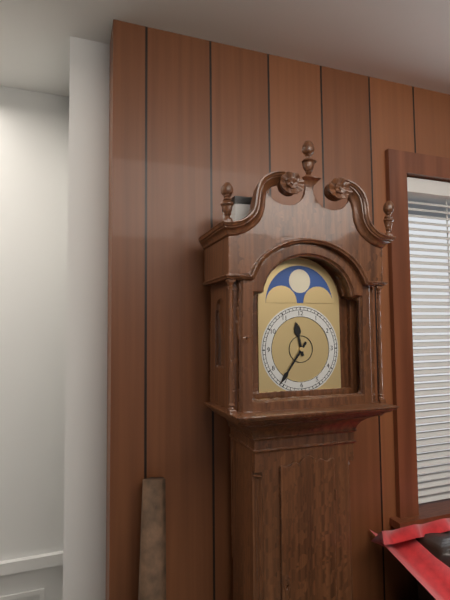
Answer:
11h36
